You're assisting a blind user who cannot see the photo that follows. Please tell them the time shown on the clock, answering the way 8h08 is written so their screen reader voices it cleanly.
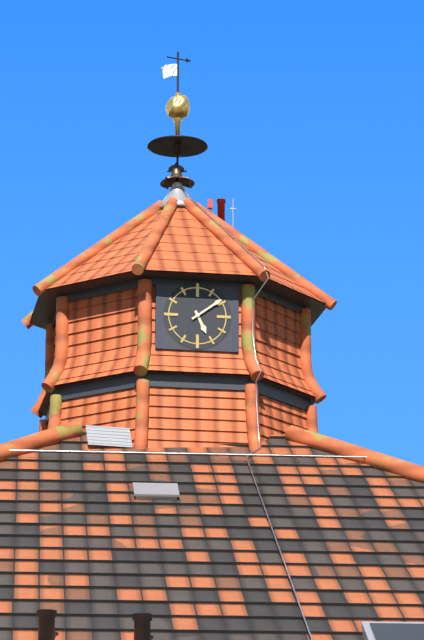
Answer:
5h09
